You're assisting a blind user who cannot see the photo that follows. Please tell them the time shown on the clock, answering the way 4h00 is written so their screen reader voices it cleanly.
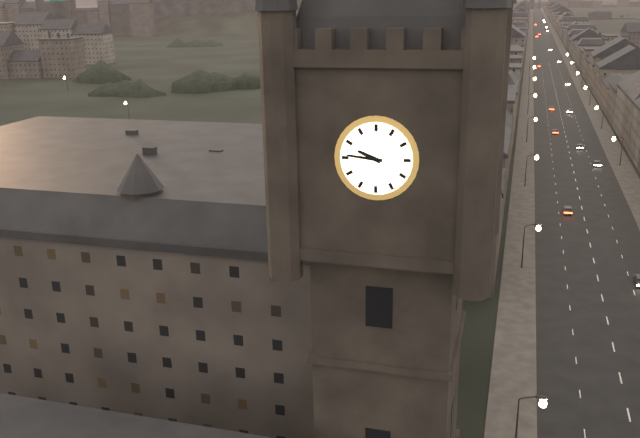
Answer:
9h46
